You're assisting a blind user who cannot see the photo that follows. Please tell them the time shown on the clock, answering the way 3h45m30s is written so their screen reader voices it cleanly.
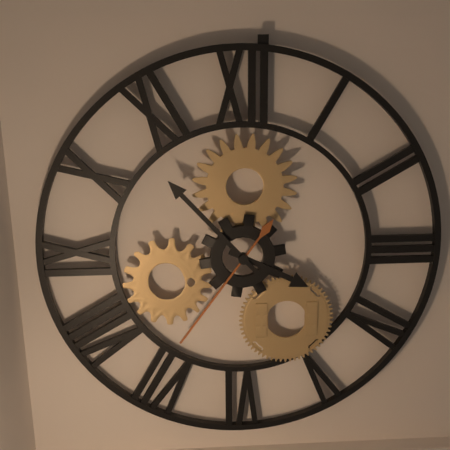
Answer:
3h53m36s
